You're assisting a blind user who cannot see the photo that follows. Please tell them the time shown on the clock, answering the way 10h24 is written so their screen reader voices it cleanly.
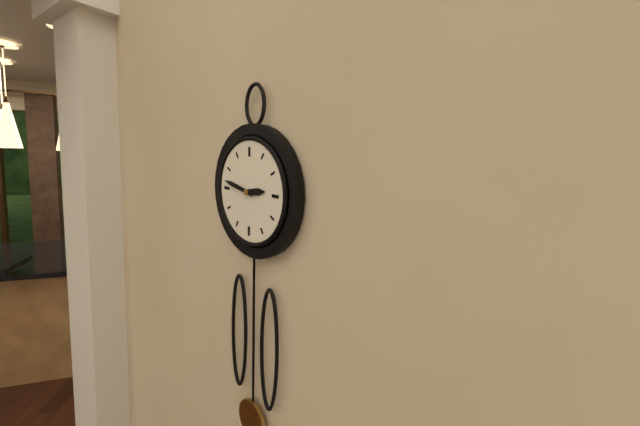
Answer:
2h47
